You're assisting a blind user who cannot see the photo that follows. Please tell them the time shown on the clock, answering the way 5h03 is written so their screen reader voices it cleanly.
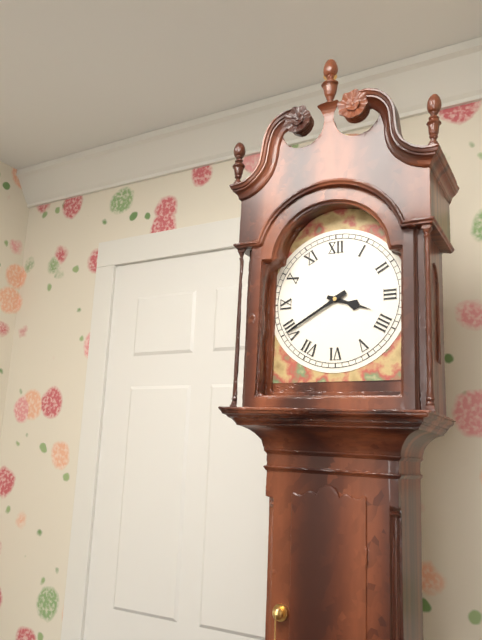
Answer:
3h40
